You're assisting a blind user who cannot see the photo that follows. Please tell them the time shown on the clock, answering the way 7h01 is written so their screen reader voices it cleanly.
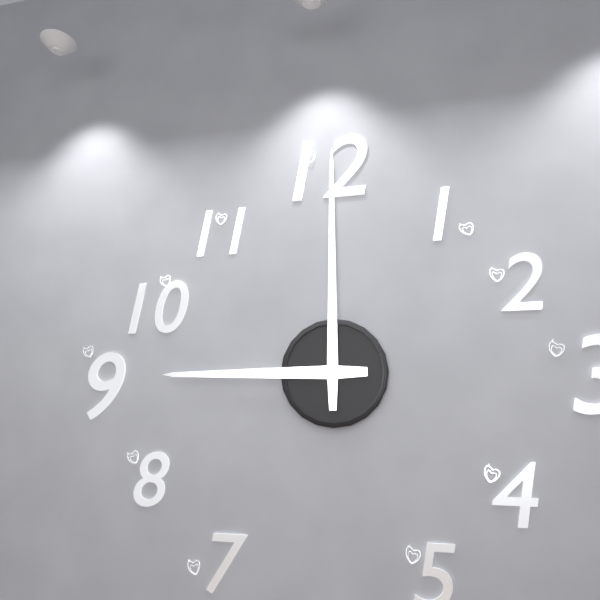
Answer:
9h00
